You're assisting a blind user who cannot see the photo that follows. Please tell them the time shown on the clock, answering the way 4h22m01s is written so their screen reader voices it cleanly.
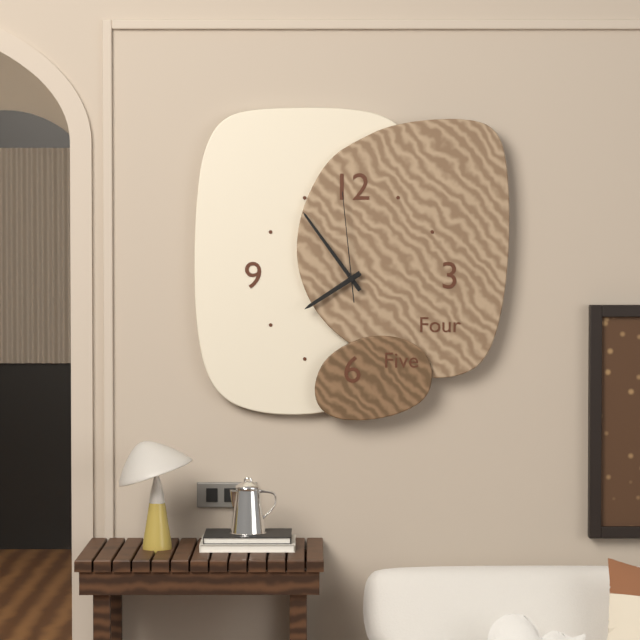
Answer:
7h54m59s
